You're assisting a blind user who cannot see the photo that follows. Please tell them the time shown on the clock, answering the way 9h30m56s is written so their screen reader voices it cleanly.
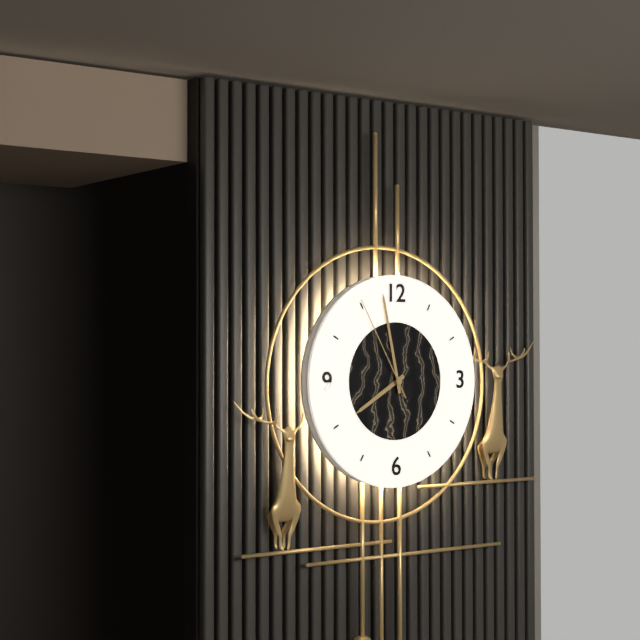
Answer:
7h58m55s
